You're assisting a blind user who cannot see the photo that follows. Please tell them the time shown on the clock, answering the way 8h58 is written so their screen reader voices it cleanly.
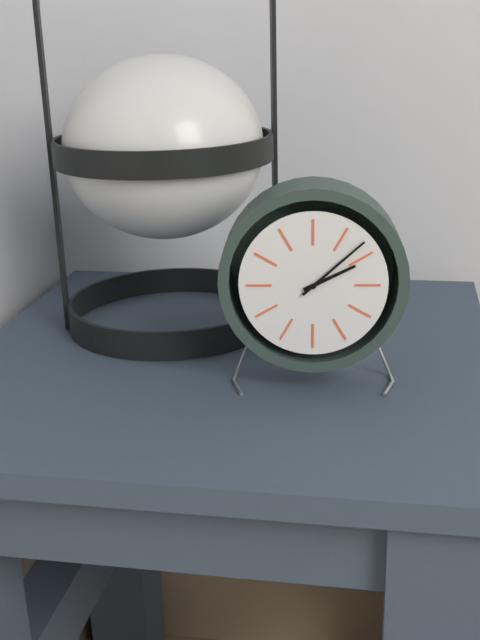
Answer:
2h08
